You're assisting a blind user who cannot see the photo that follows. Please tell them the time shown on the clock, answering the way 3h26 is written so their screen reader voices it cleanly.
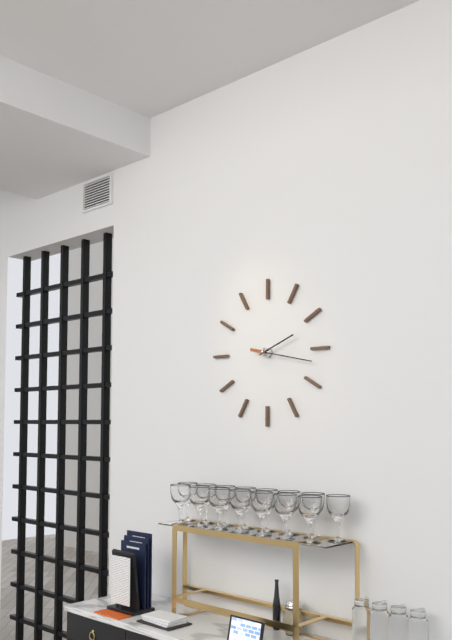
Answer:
2h17
